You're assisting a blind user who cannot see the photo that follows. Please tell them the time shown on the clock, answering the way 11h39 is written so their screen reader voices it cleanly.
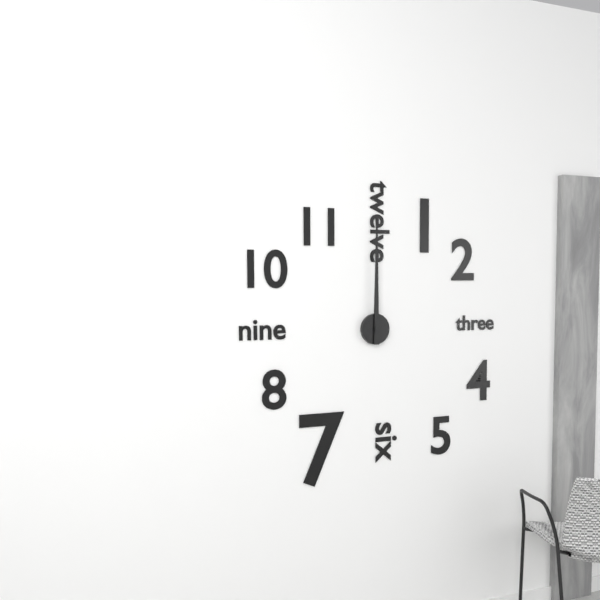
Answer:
12h00
